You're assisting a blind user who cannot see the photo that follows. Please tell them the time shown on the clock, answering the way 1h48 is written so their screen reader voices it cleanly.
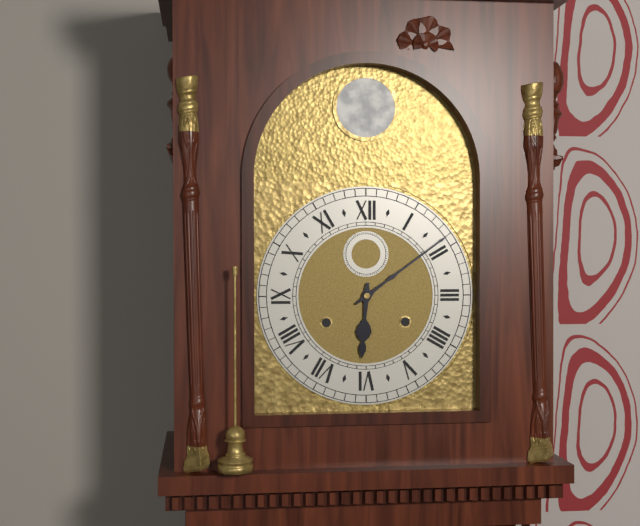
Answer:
6h09
